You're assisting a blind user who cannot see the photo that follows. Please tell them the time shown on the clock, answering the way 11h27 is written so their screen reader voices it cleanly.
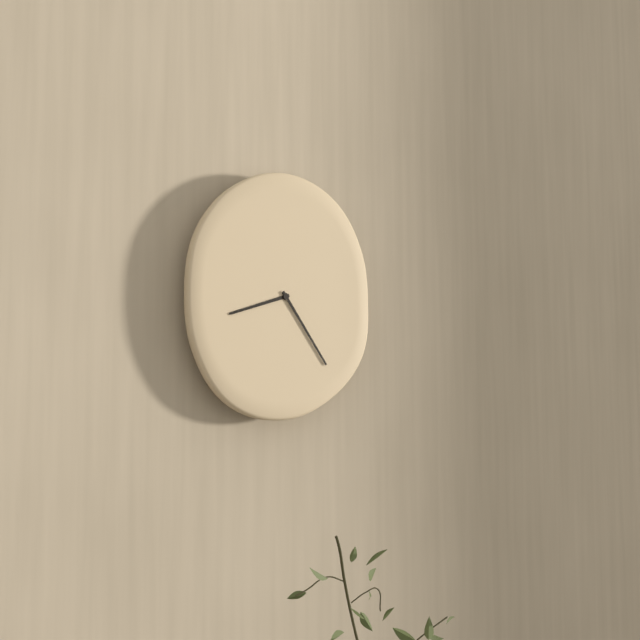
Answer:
8h24
